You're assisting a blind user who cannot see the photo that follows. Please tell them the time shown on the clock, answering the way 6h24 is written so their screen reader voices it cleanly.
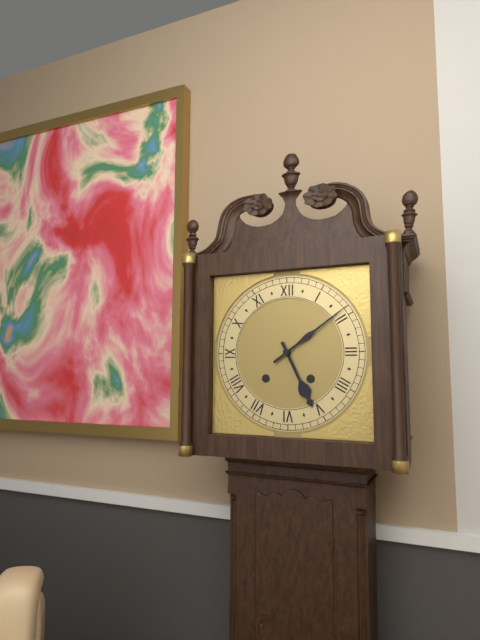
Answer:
5h09
